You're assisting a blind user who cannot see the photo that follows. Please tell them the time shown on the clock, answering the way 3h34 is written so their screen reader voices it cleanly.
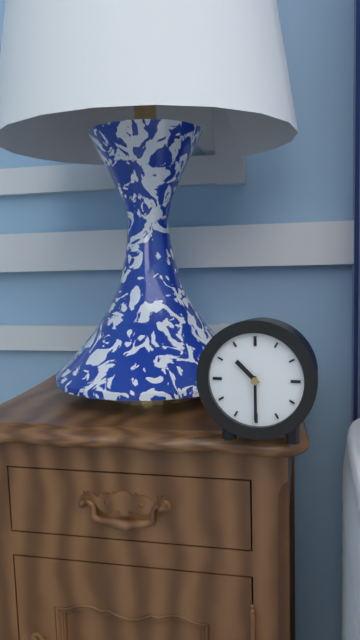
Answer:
10h30
